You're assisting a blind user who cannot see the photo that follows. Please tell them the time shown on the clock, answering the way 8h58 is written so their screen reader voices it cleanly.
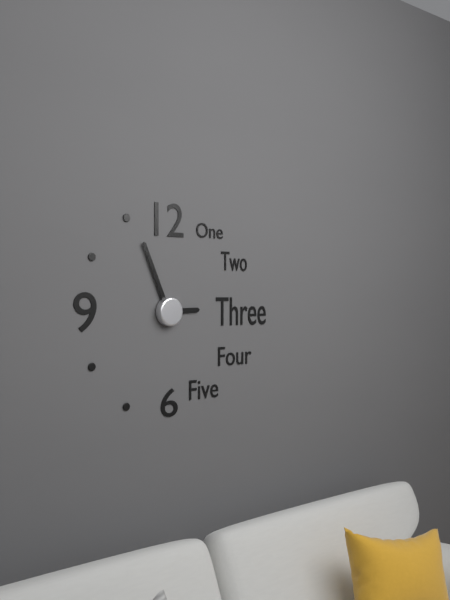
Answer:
2h56
